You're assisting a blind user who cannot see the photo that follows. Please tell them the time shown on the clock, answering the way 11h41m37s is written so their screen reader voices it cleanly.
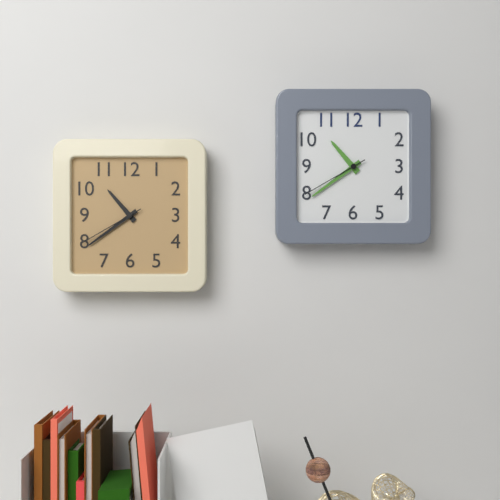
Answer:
10h39m40s
